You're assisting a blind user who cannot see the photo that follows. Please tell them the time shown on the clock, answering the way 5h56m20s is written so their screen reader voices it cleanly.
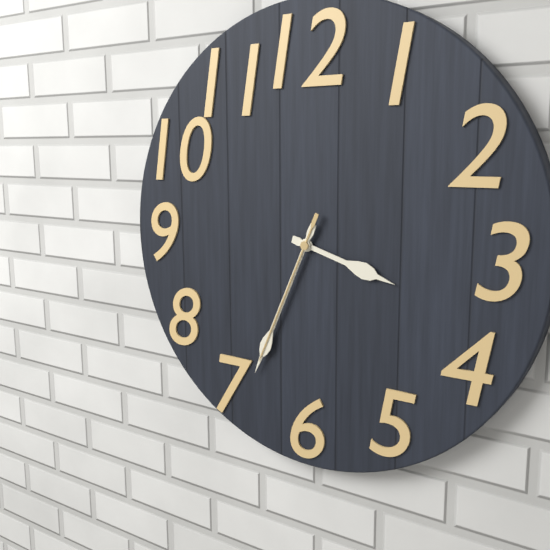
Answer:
3h34m34s
